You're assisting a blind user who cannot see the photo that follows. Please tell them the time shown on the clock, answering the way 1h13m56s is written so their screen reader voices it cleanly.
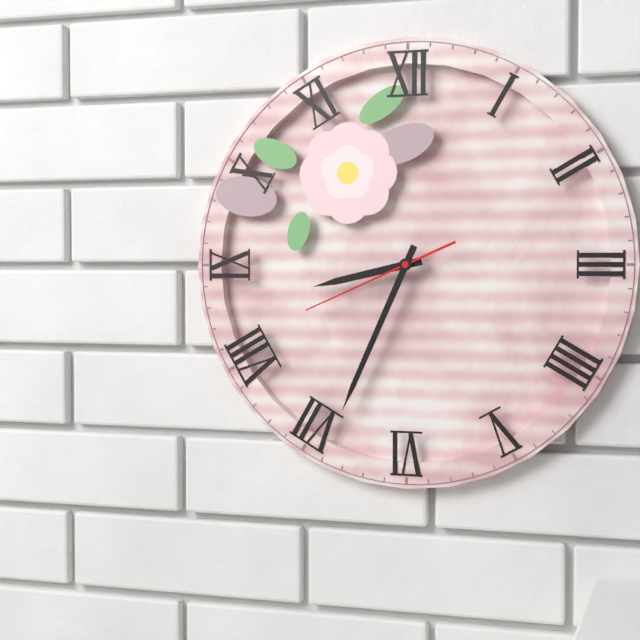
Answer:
8h34m41s
